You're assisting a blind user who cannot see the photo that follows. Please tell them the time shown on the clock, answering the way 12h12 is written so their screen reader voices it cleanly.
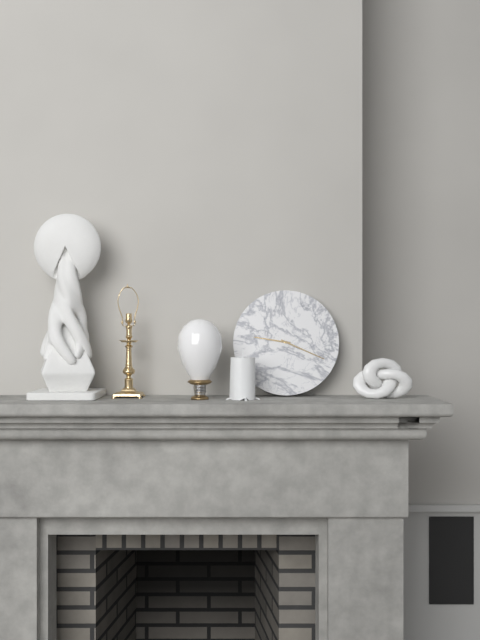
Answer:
9h19
